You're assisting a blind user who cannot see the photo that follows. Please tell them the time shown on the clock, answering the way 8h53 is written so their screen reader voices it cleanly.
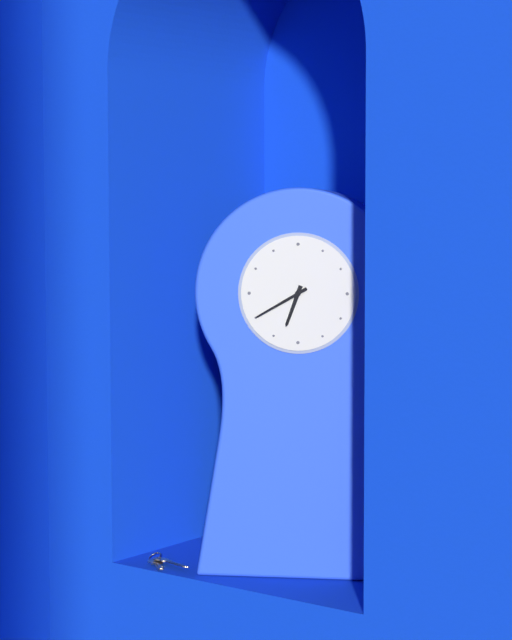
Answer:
6h40
